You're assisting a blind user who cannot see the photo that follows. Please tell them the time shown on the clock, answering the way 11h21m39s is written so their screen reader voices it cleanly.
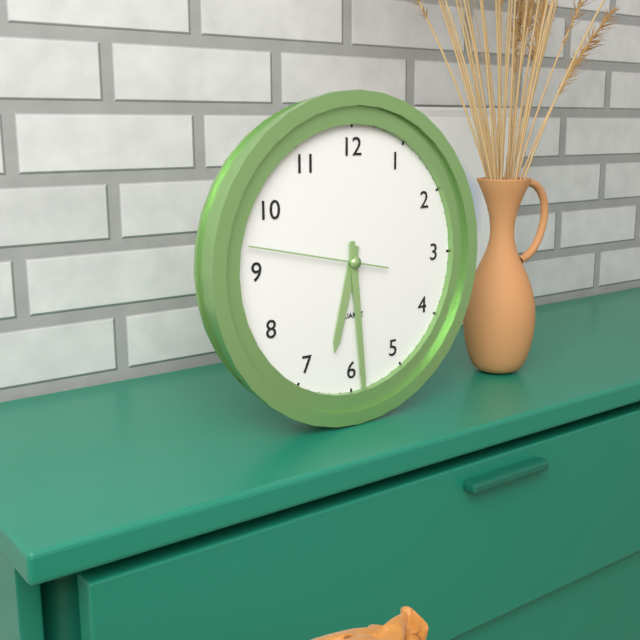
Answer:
6h29m47s
